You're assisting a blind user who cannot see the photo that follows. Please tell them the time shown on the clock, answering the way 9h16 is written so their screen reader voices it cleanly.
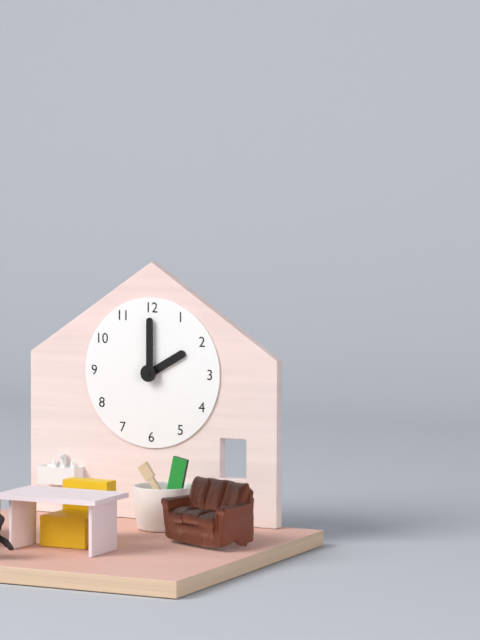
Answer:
2h00
